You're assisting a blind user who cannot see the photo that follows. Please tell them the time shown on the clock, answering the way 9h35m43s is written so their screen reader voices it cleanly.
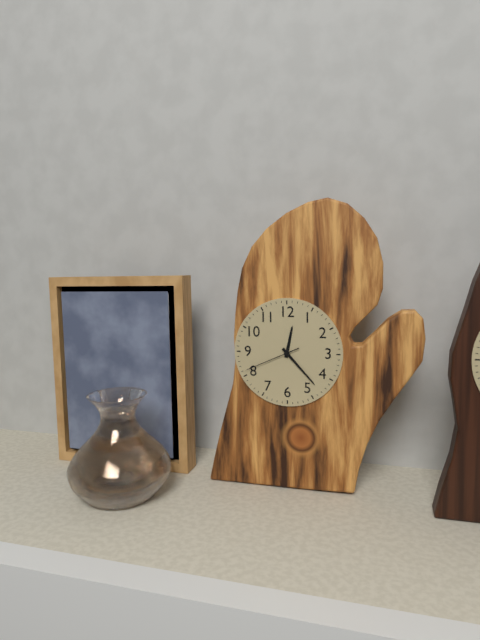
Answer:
12h23m41s
